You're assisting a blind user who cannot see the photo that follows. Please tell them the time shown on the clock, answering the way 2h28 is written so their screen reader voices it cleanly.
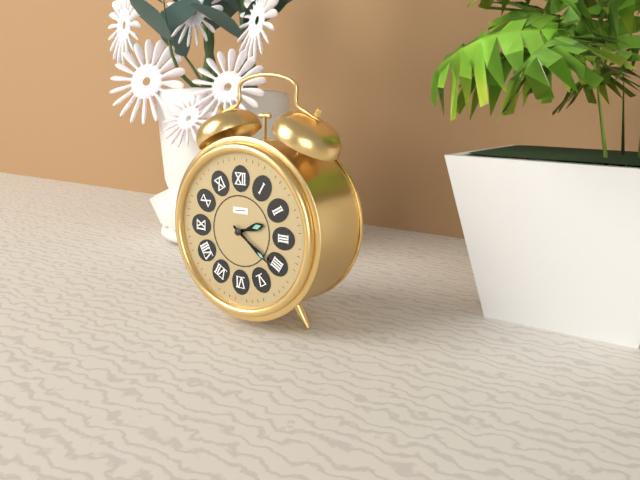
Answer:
2h21
